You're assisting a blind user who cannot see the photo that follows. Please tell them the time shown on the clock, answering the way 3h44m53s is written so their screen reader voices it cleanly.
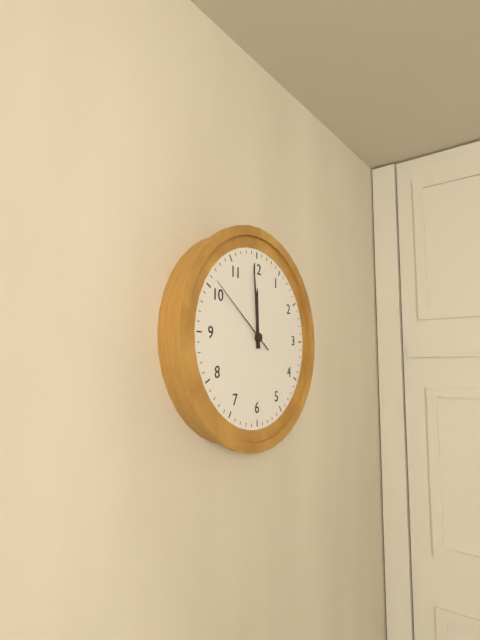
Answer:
11h59m51s
